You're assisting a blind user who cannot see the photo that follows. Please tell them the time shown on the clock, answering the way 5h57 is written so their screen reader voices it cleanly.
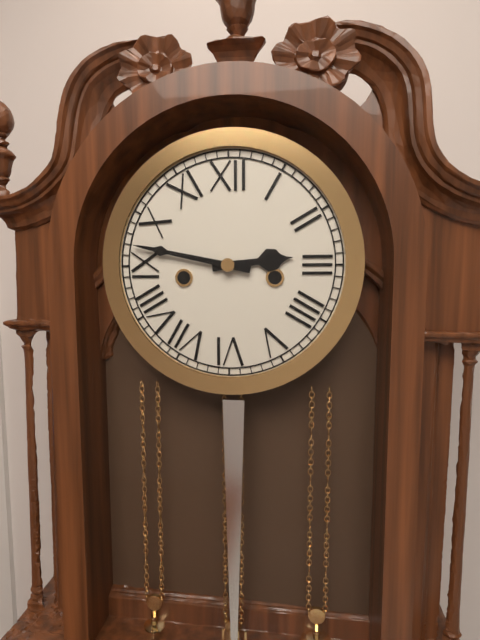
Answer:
2h47
